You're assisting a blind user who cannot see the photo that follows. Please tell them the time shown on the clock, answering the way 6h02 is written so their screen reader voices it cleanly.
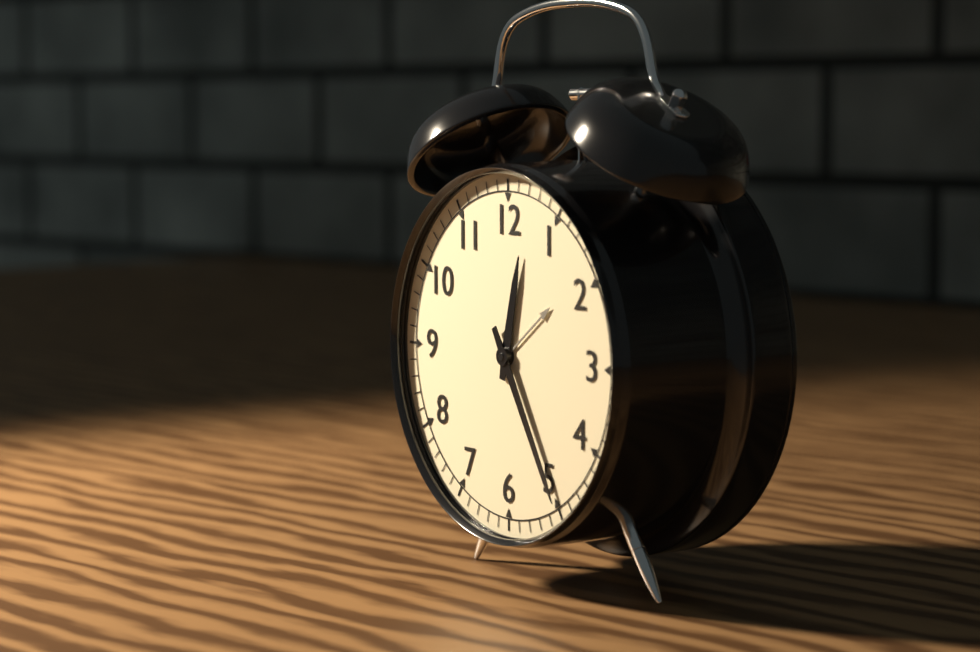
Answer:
12h25
